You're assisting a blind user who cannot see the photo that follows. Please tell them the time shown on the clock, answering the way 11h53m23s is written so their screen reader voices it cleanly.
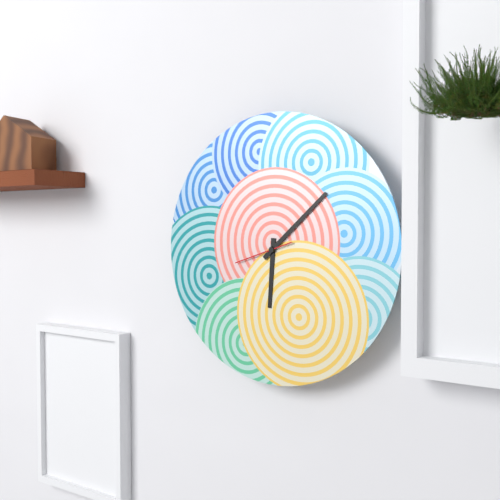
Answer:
6h08m42s
